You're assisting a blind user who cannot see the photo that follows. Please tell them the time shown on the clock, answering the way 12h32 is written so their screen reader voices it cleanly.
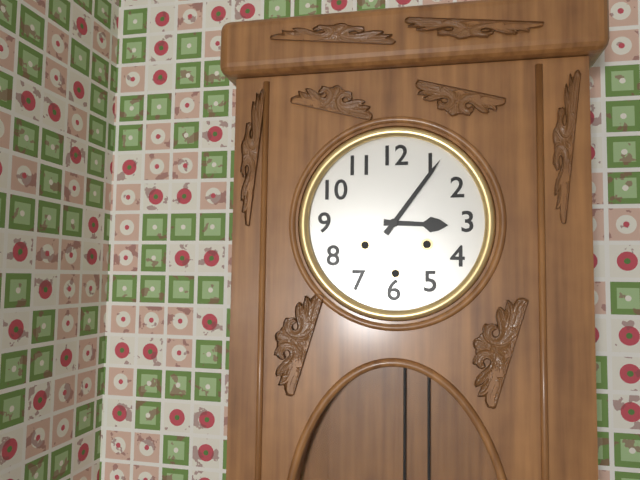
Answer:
3h06
